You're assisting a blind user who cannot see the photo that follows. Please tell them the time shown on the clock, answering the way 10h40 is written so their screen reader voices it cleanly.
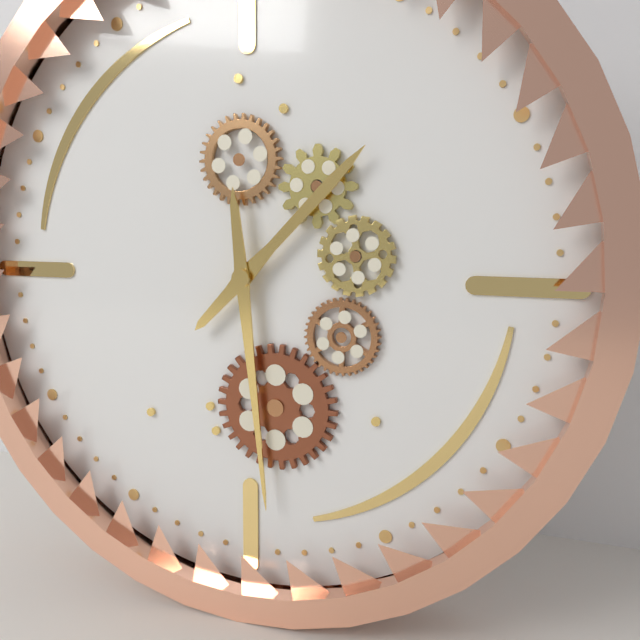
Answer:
1h29
